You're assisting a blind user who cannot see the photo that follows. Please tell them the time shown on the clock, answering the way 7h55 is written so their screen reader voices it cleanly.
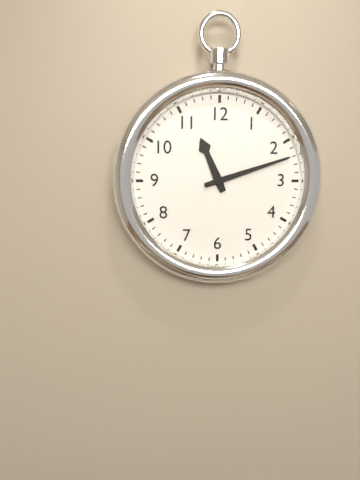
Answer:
11h12
